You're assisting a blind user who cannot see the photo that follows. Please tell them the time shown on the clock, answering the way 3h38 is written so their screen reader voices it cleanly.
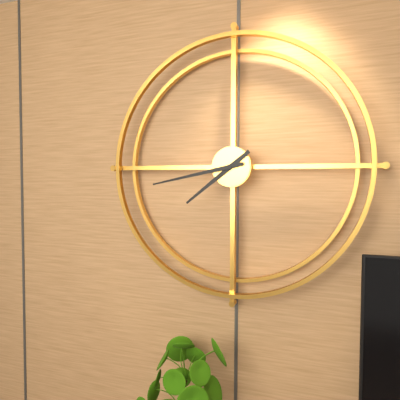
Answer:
7h43
